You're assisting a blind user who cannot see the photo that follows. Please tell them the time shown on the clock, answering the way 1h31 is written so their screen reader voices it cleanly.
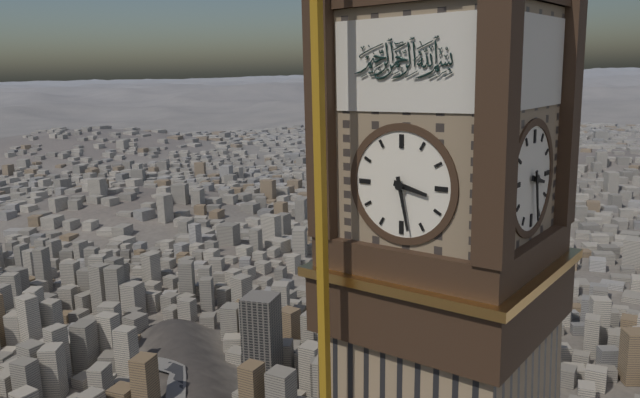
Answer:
3h28
